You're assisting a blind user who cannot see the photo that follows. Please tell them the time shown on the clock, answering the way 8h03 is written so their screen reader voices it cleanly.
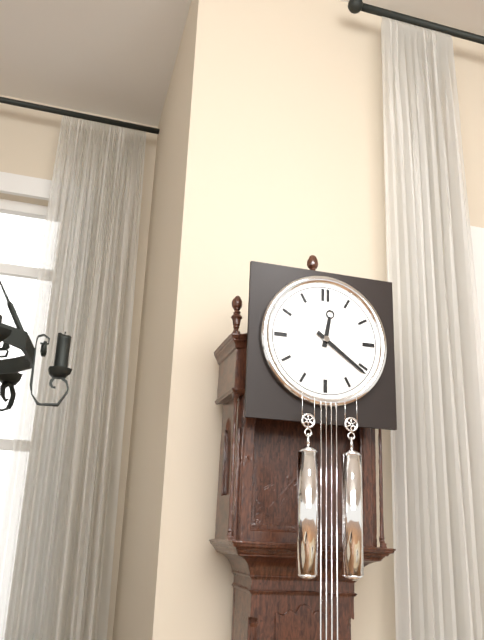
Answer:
12h21
